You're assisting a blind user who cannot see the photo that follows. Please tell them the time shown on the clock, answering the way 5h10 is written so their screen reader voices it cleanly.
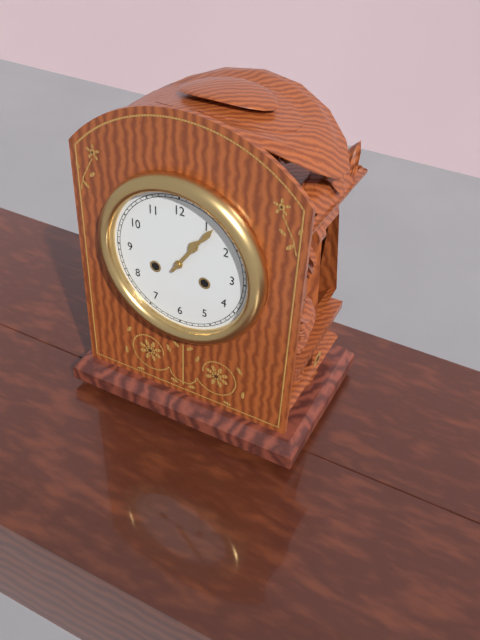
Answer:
1h06
